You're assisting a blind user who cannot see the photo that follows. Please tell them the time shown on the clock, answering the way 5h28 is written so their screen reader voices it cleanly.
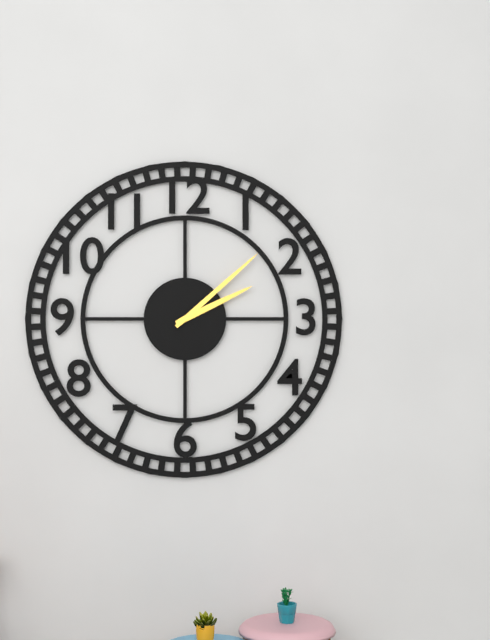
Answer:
2h08
